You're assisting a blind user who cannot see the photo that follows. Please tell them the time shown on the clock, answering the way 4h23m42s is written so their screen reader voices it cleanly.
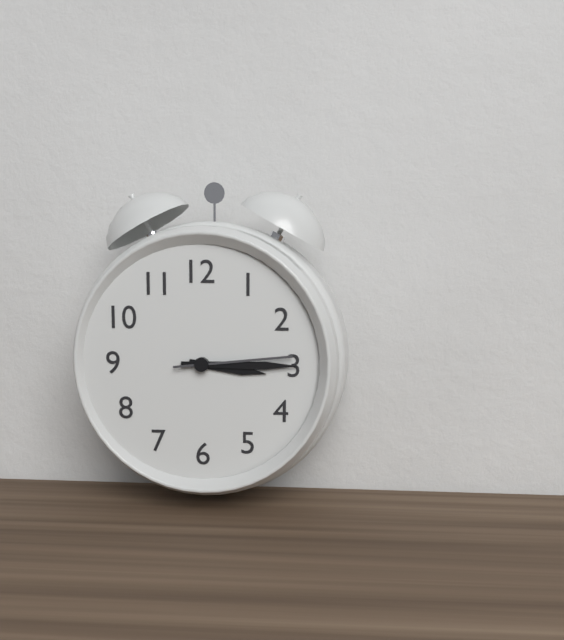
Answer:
3h15m14s
